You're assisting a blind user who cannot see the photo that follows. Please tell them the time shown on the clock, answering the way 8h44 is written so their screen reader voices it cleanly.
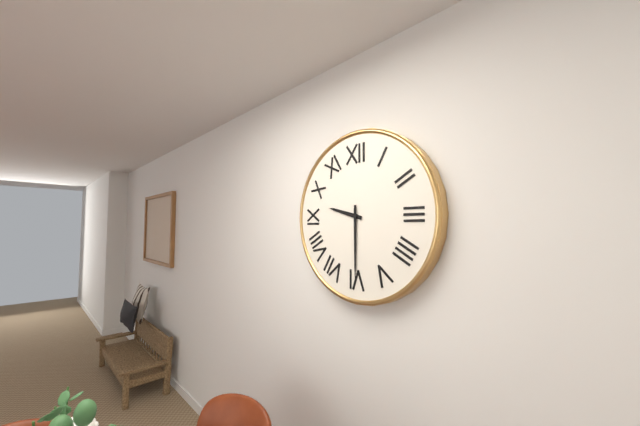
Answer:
9h30
